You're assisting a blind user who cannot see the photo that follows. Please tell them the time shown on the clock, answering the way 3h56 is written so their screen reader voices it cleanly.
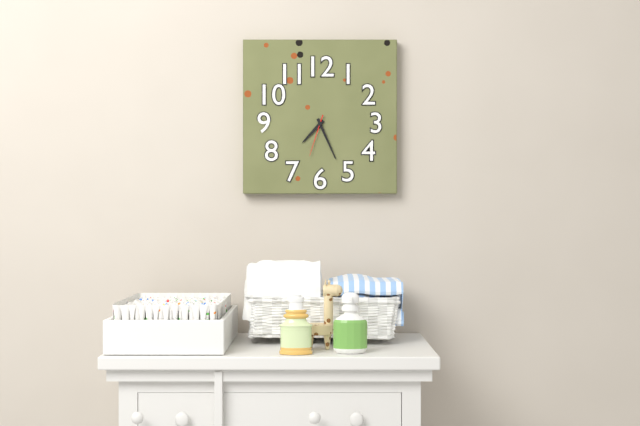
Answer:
7h26
